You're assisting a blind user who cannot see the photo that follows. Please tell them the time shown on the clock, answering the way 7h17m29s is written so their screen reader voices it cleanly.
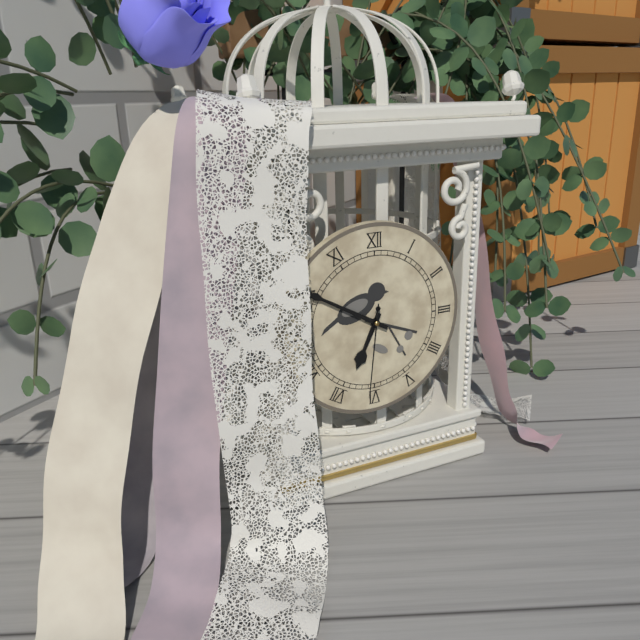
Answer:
6h50m31s
